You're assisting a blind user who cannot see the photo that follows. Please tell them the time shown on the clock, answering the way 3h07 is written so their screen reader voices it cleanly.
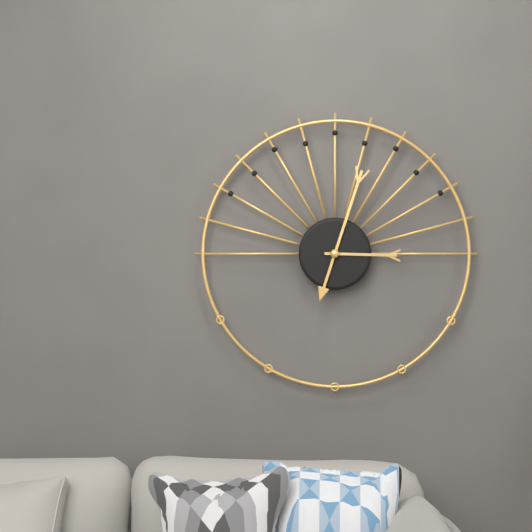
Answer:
3h03
